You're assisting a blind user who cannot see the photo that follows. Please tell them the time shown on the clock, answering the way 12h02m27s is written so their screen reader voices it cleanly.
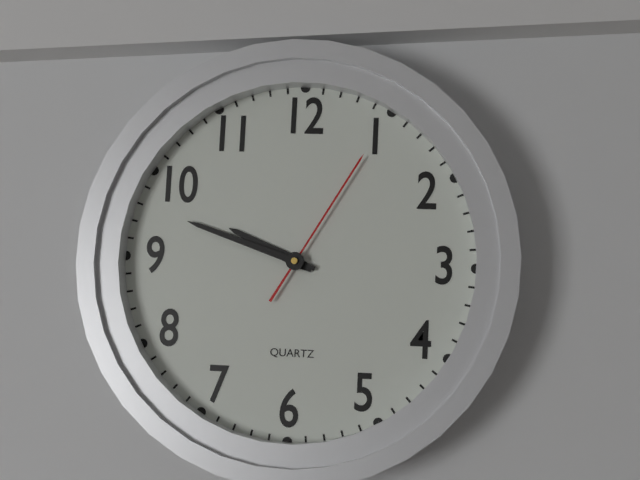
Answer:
9h48m05s
